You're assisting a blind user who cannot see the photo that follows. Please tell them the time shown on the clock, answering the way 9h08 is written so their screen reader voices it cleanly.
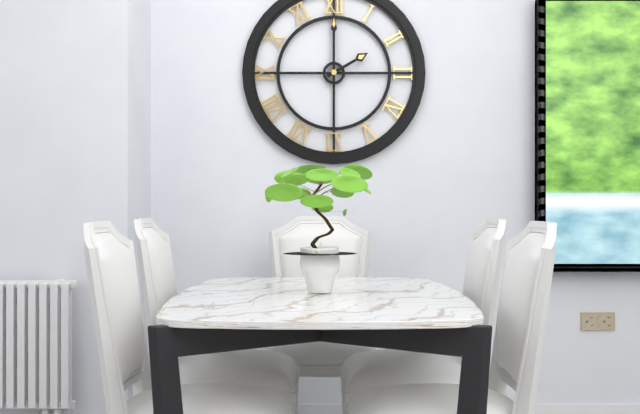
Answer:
2h00
